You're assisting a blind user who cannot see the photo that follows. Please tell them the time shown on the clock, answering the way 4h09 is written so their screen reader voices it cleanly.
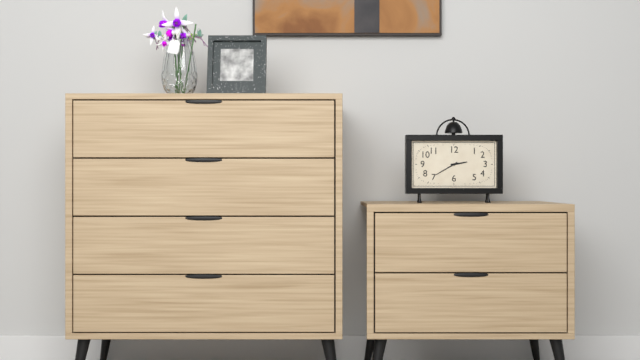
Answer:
2h40
